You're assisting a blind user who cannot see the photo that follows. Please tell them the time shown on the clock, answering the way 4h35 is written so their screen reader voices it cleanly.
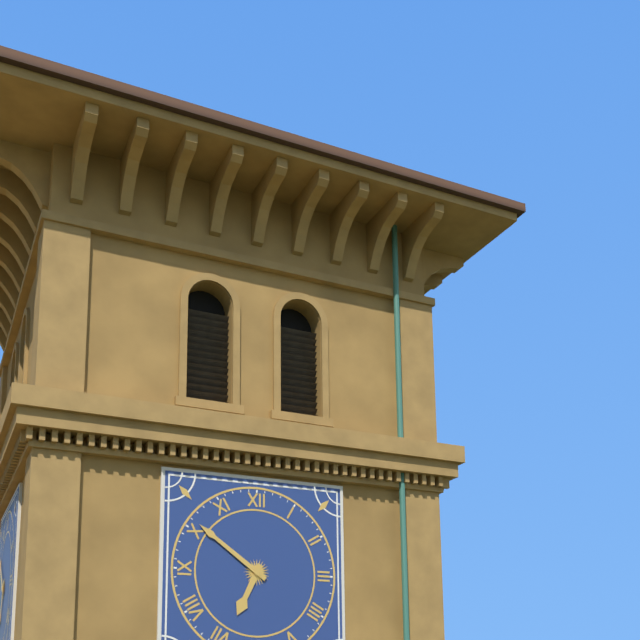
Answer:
6h51
